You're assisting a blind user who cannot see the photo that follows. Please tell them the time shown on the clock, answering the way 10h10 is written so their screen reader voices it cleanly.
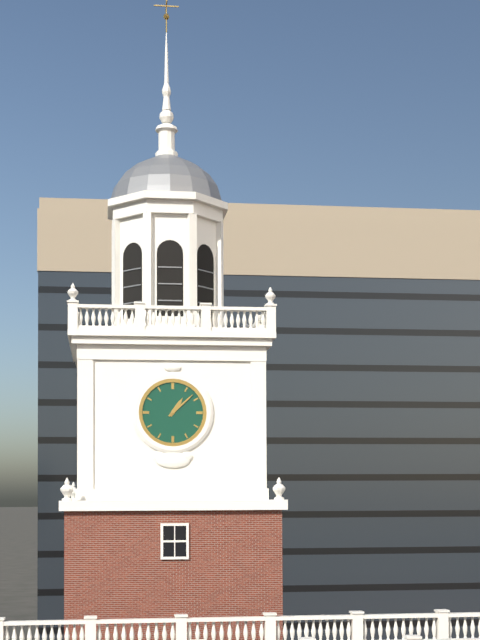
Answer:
1h08
